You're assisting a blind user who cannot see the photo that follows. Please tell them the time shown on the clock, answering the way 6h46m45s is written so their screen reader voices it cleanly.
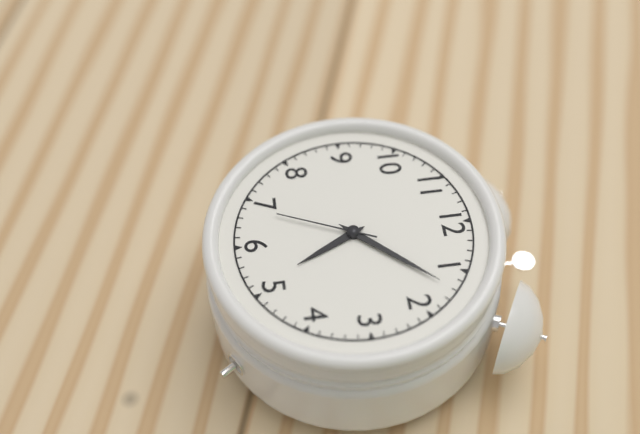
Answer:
5h07m34s
